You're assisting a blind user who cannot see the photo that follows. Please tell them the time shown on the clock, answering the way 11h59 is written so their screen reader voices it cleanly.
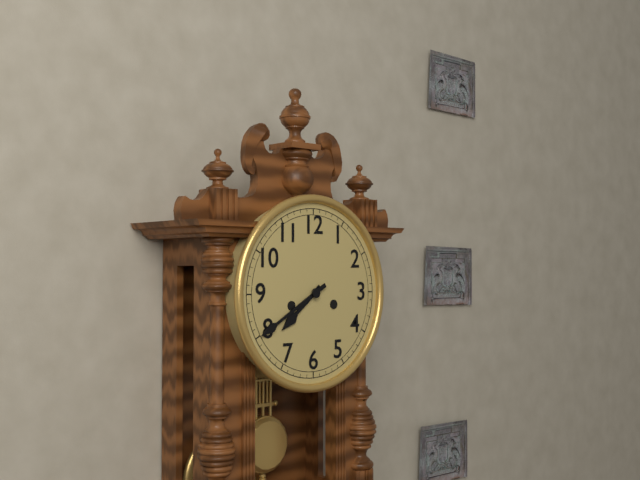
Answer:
7h40
